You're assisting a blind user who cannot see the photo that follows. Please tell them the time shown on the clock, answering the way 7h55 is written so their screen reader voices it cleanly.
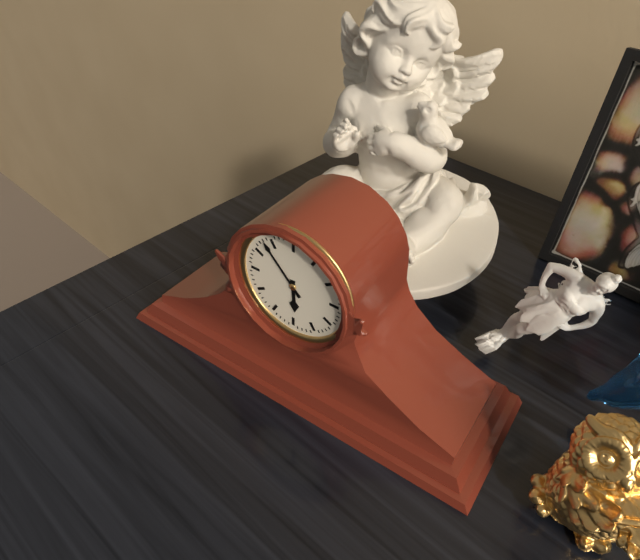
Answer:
5h53
